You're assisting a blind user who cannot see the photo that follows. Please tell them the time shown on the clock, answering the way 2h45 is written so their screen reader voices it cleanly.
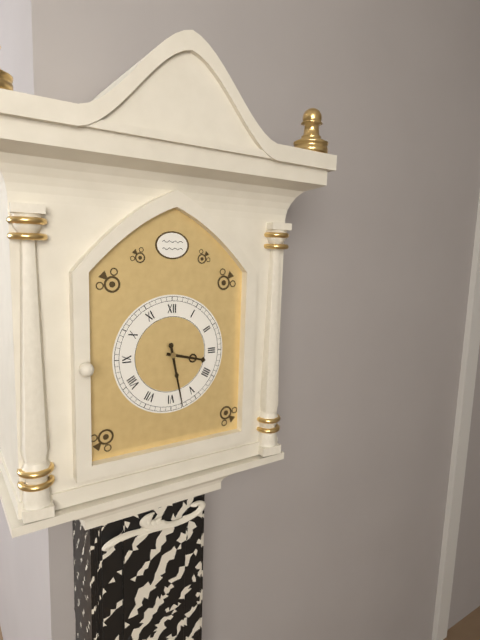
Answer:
3h28
